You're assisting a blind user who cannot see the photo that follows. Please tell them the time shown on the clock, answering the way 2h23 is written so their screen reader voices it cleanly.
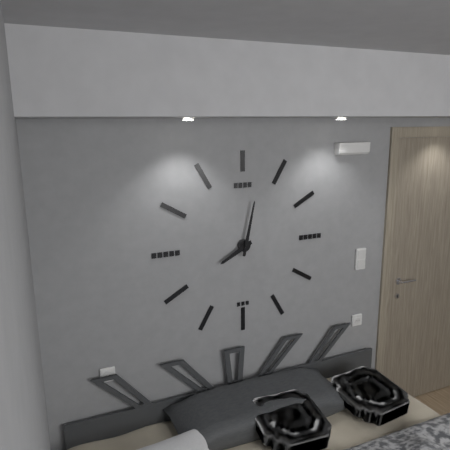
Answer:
8h02
